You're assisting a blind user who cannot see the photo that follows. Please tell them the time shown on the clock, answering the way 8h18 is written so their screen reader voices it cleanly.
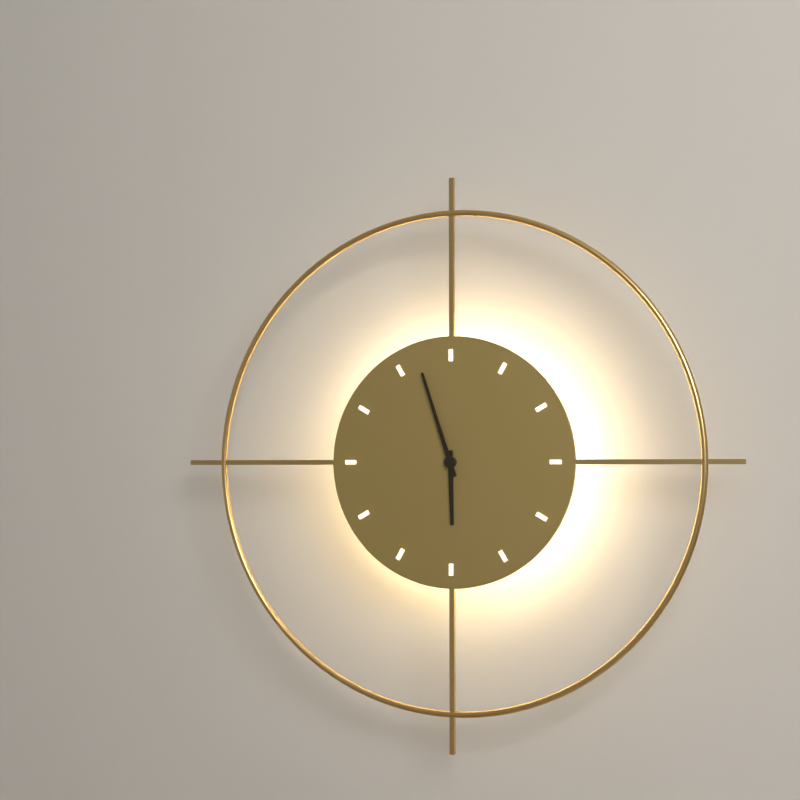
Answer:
5h57
